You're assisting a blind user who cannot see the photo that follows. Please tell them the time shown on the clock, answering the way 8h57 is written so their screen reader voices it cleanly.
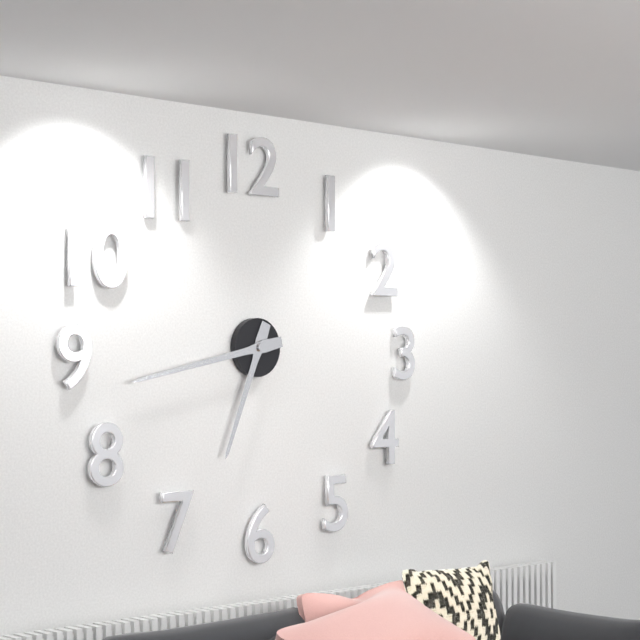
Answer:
6h43
